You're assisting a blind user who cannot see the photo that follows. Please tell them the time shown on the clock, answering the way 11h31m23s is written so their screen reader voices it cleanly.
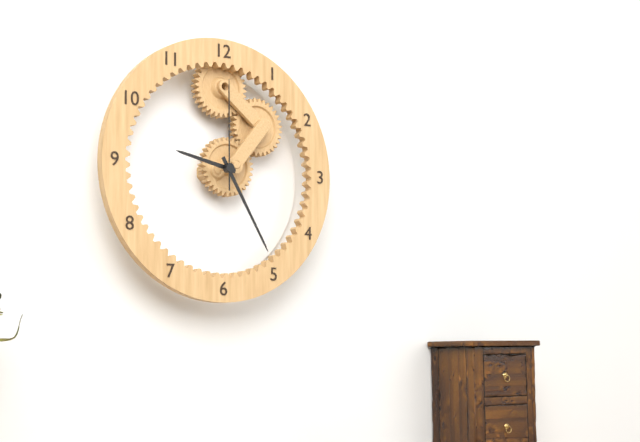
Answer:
9h25m00s
